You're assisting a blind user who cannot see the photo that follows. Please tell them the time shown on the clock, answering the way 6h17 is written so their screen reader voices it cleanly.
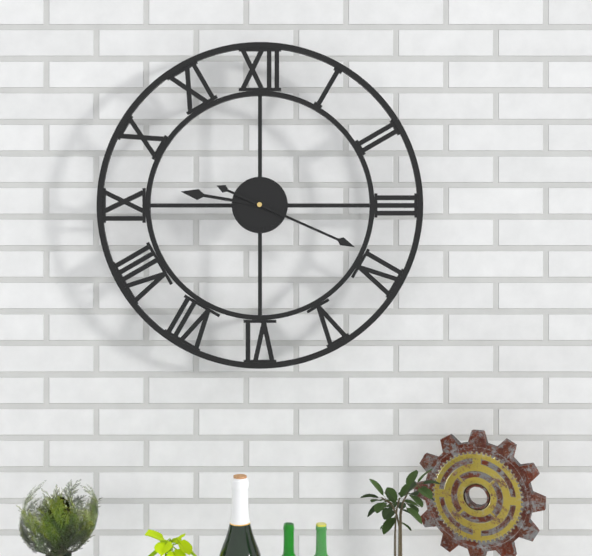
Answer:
9h19
